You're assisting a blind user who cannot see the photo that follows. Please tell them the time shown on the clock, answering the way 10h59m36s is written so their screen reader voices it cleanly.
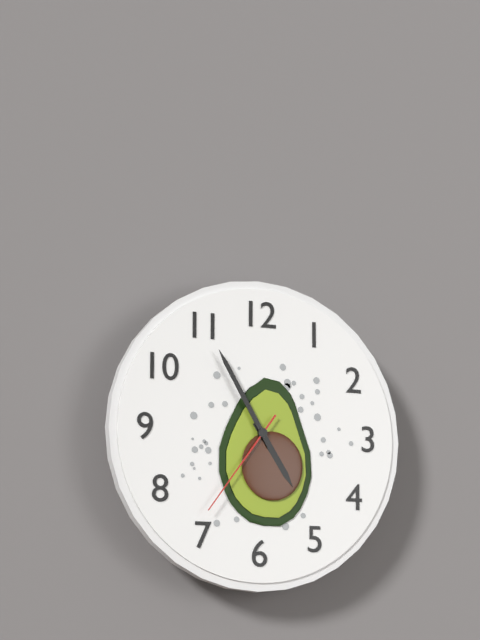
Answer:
4h55m36s
